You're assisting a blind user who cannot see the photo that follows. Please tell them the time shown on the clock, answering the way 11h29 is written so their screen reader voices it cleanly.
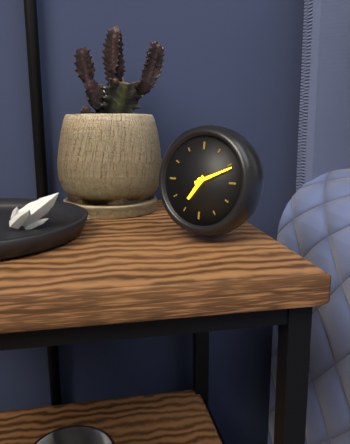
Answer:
7h11
